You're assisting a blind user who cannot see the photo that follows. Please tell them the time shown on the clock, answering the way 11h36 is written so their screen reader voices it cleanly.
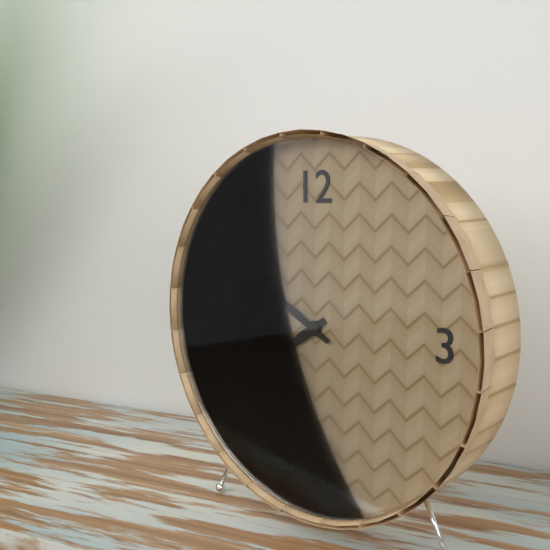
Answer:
7h50
